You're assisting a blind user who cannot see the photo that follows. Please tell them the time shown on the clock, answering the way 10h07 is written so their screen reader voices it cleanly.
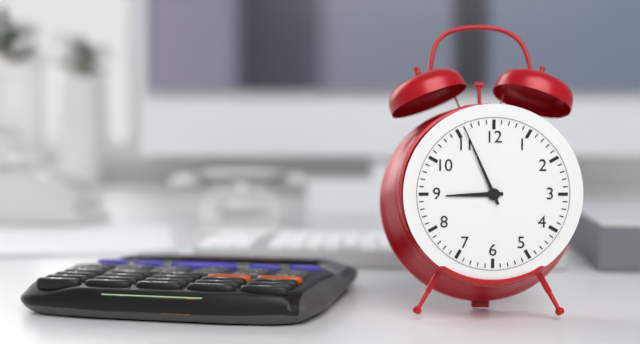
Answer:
8h56
